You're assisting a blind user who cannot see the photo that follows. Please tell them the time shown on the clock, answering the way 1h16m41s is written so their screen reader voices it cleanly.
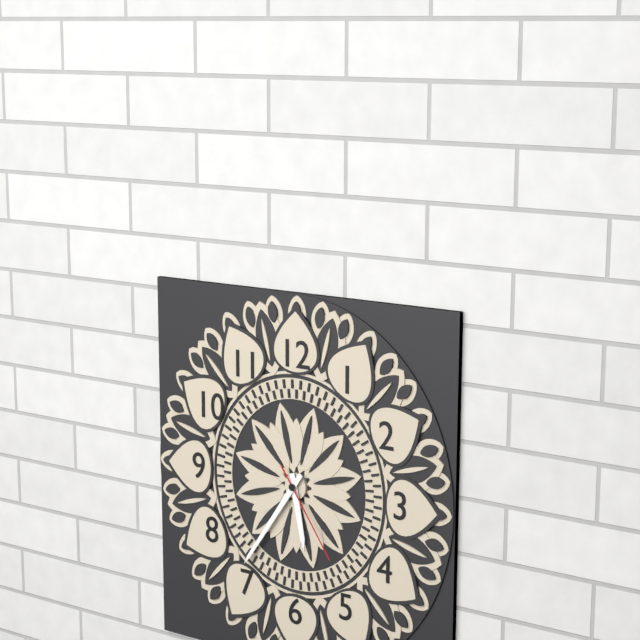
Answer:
5h36m24s
